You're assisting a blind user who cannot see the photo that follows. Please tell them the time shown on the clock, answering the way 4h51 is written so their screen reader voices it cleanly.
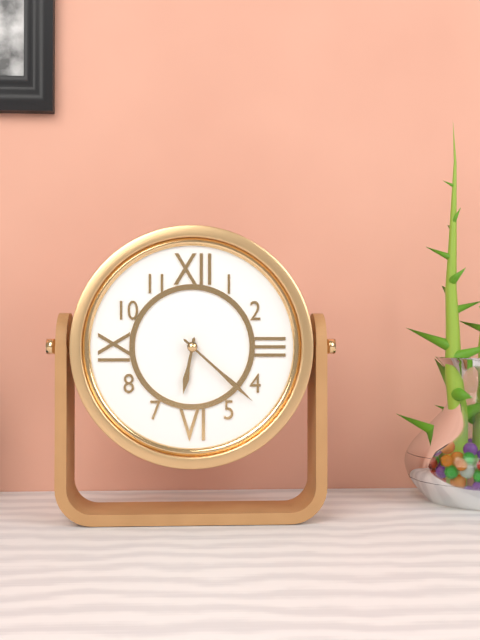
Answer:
6h22
